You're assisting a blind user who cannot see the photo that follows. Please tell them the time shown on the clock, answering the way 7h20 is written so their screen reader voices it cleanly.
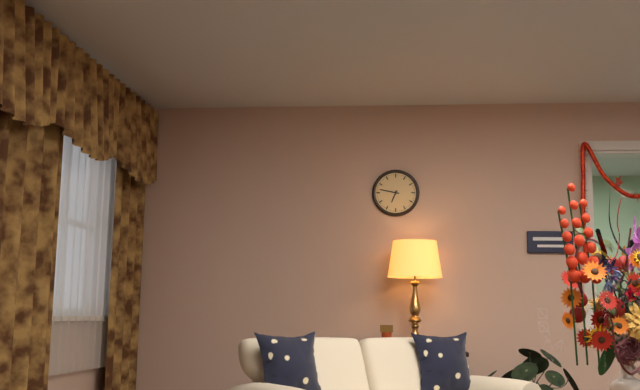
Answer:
6h47
